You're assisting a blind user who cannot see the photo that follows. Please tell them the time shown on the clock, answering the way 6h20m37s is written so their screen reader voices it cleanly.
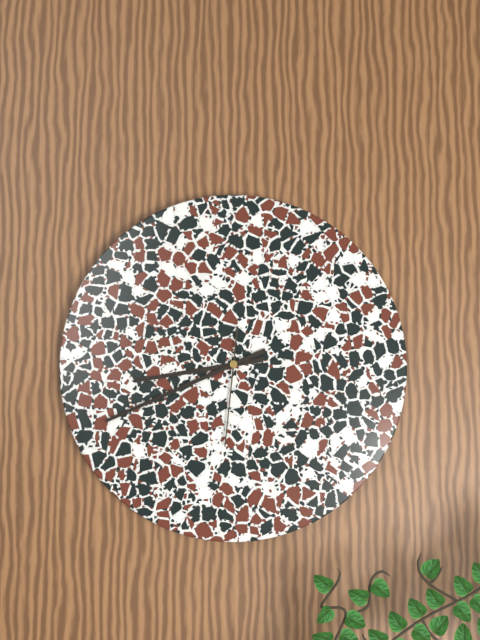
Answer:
8h41m31s
